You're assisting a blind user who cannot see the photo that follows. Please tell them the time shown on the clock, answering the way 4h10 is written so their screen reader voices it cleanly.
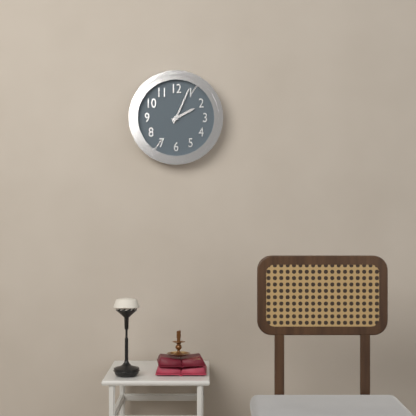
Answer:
2h04
